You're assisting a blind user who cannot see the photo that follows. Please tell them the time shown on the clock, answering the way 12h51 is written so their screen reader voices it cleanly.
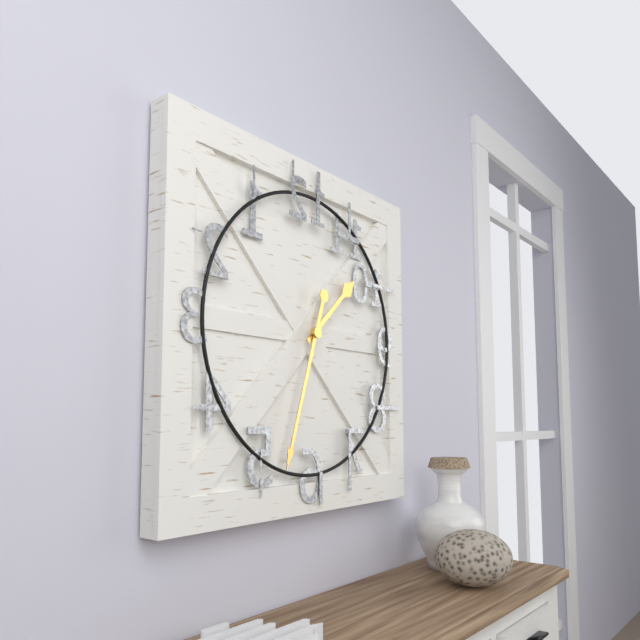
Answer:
1h33
